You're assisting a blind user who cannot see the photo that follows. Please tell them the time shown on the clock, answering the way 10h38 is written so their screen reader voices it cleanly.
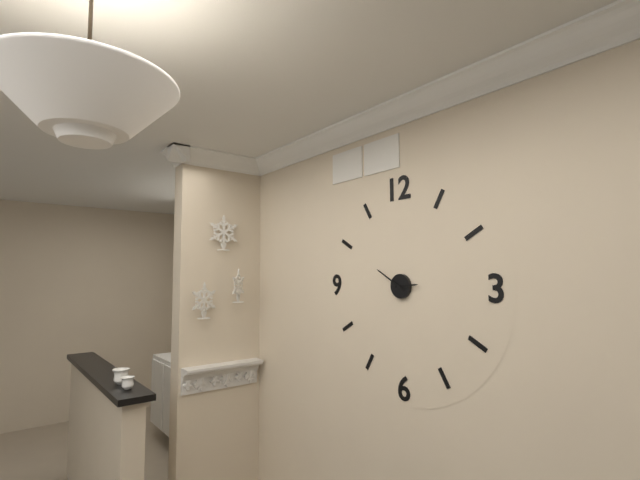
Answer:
2h50
